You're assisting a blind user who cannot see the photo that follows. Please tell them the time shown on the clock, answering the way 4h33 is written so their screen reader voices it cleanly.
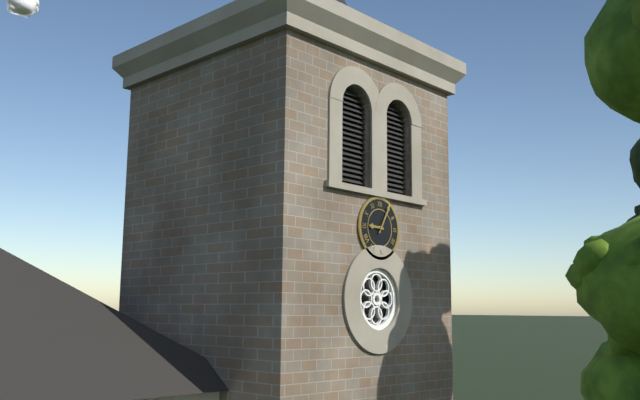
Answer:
9h05
